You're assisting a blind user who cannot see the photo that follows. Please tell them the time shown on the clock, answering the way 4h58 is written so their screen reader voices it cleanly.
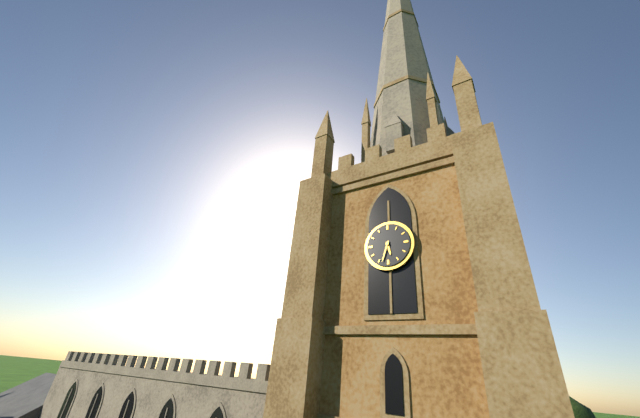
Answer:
5h33
